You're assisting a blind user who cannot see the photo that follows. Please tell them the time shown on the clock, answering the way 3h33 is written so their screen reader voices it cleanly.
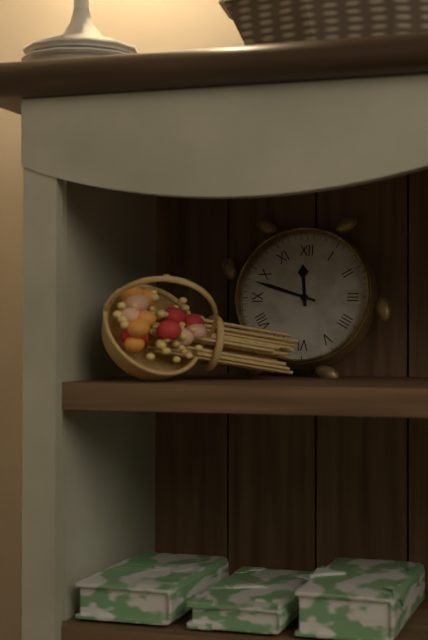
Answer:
11h48
